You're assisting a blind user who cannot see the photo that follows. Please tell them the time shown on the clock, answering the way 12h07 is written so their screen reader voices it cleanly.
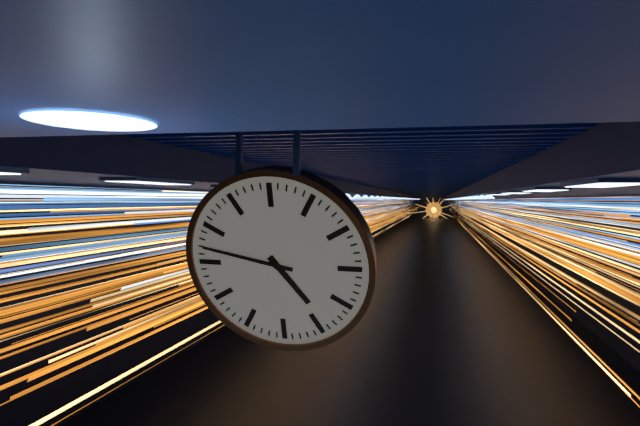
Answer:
4h47
